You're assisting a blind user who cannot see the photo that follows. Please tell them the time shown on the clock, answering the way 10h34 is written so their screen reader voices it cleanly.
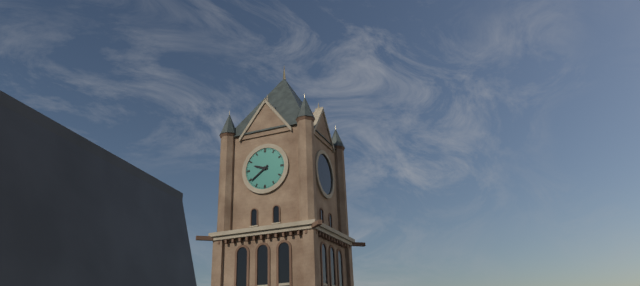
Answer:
9h39
